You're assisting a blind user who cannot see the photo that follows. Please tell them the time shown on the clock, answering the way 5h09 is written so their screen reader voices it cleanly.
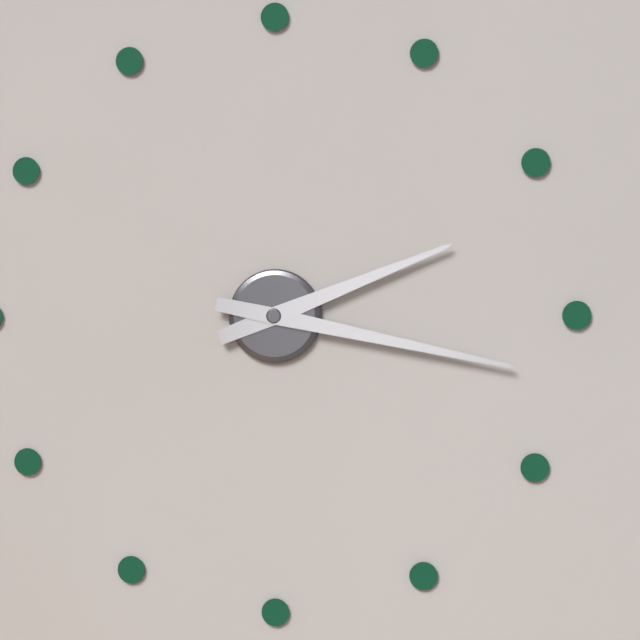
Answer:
2h17
